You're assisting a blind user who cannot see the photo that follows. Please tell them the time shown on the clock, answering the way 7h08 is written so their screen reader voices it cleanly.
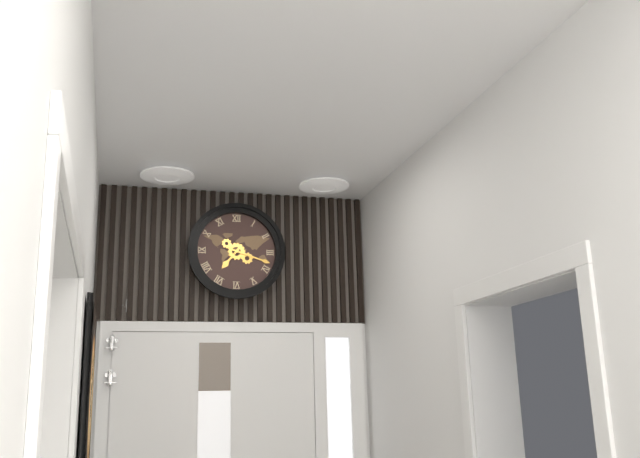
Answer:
7h18
